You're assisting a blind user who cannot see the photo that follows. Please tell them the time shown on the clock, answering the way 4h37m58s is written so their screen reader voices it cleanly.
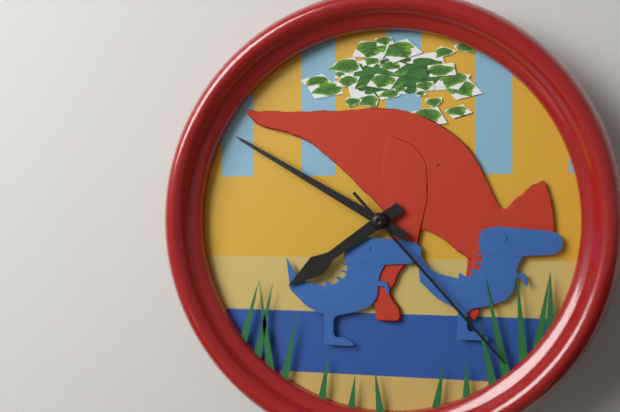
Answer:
7h50m23s
